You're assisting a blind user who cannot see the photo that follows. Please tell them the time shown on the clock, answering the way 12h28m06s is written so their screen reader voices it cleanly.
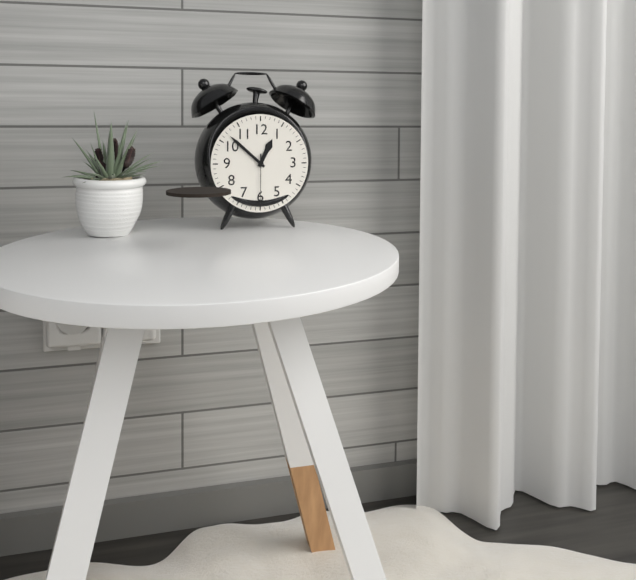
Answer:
12h52m30s
